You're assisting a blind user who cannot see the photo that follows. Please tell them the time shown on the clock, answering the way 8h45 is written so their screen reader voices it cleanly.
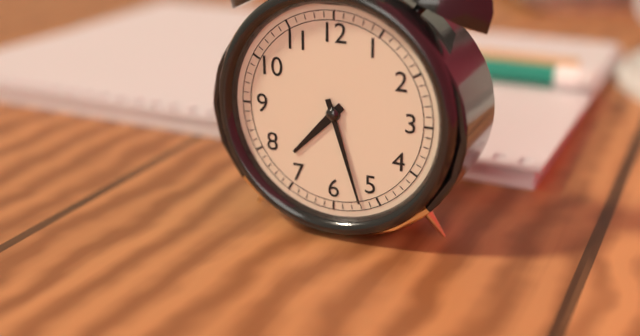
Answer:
7h27
